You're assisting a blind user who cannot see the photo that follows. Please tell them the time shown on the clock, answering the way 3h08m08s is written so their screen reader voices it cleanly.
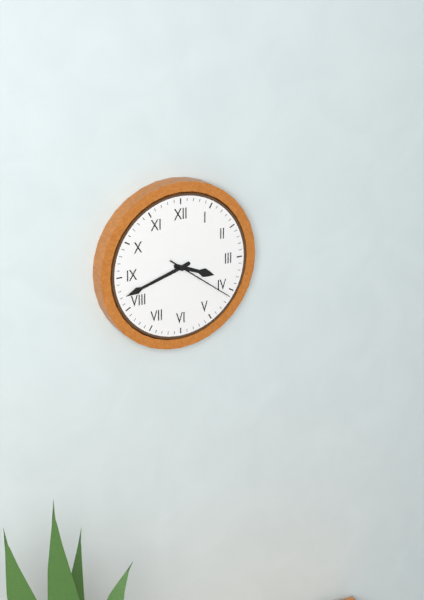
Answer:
3h42m21s
